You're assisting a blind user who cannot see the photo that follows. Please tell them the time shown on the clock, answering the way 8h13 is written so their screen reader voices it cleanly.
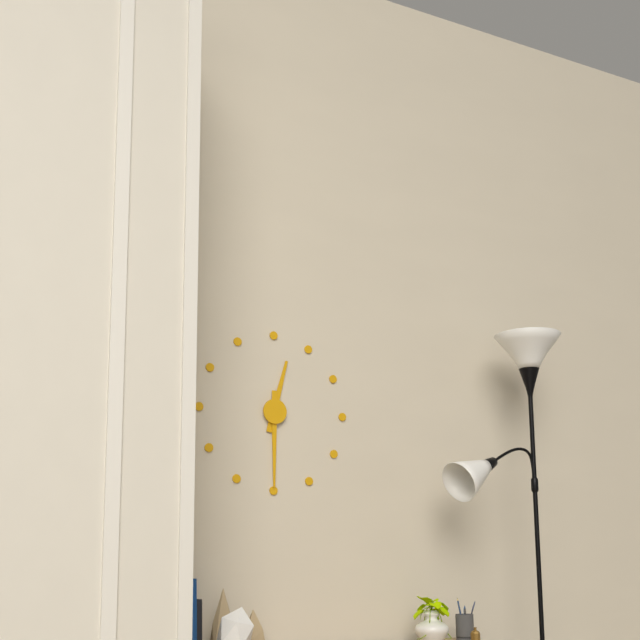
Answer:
12h30
